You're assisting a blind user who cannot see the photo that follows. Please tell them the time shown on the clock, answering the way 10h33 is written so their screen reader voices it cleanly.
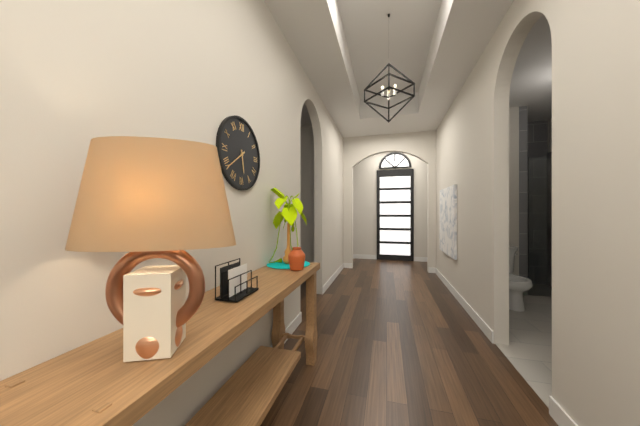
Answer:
5h39
